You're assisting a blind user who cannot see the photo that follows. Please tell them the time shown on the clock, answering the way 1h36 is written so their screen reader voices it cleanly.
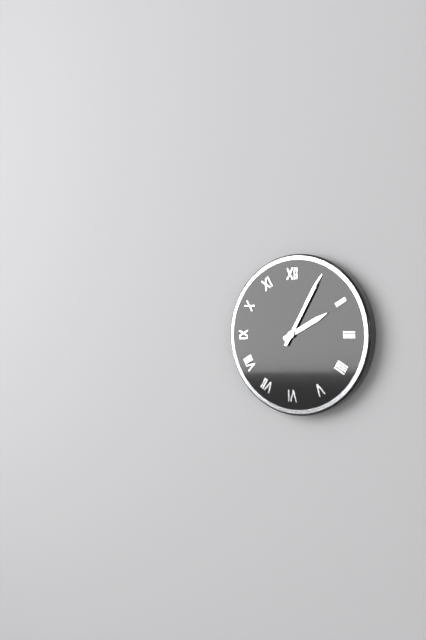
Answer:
2h05
